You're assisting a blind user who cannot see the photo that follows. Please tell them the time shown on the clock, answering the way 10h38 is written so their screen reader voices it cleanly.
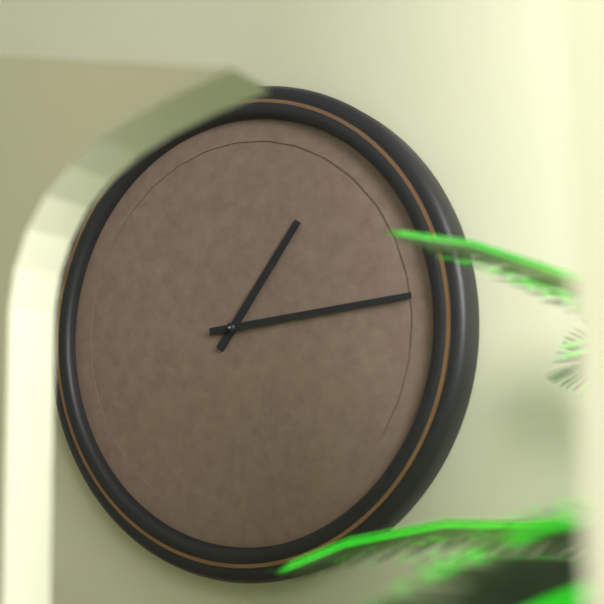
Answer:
1h14
